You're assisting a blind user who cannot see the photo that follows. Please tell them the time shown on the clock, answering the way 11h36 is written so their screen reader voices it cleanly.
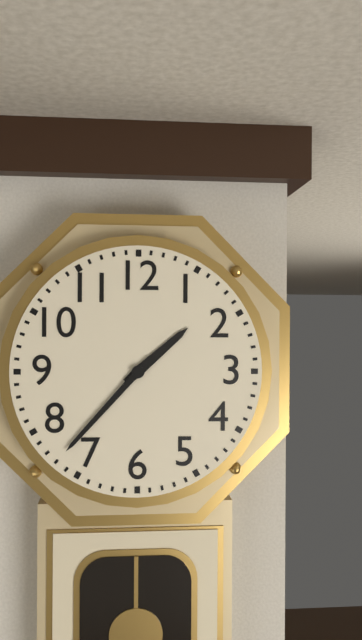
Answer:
1h37
